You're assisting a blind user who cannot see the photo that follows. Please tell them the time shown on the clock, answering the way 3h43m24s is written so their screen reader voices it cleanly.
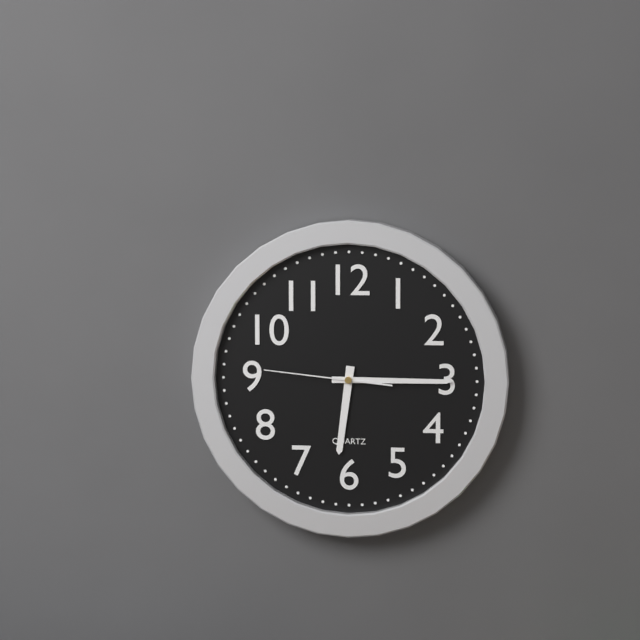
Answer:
6h15m46s
